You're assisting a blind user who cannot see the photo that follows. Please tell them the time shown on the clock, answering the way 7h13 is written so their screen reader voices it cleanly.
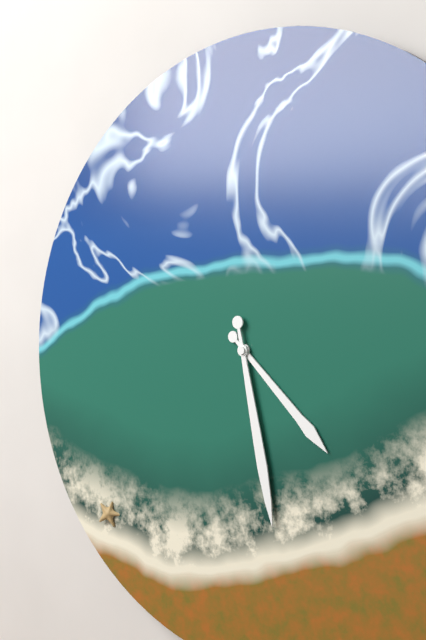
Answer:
4h28
